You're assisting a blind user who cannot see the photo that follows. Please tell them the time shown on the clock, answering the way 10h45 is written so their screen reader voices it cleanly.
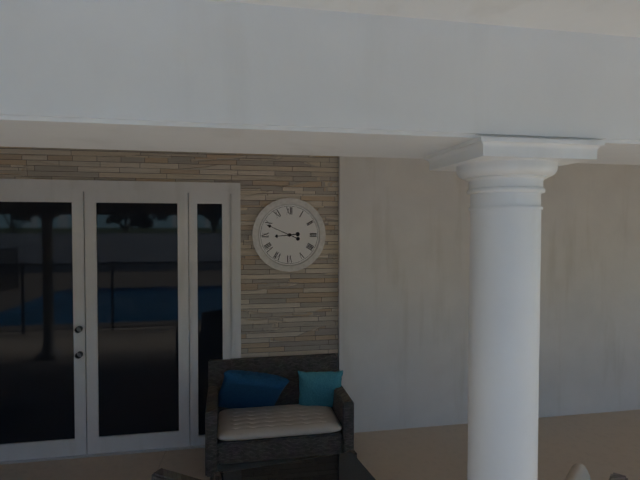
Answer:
8h49
